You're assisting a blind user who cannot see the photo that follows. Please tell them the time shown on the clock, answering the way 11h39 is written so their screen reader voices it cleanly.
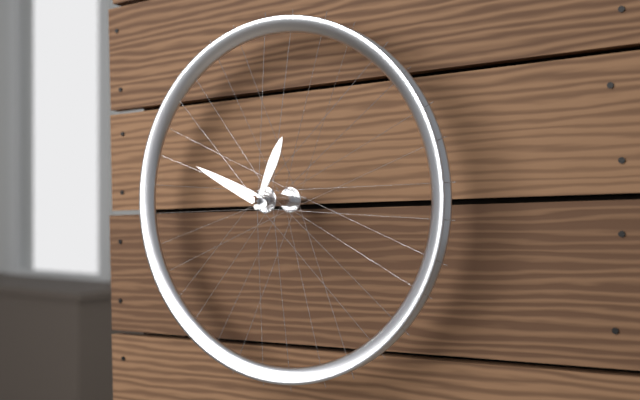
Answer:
12h49
